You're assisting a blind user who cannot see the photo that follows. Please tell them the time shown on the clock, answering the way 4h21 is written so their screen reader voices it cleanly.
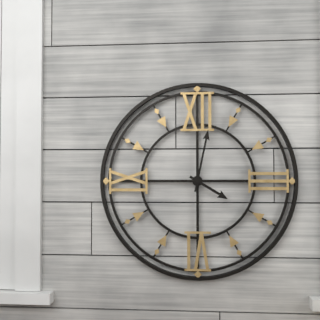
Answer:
4h02
